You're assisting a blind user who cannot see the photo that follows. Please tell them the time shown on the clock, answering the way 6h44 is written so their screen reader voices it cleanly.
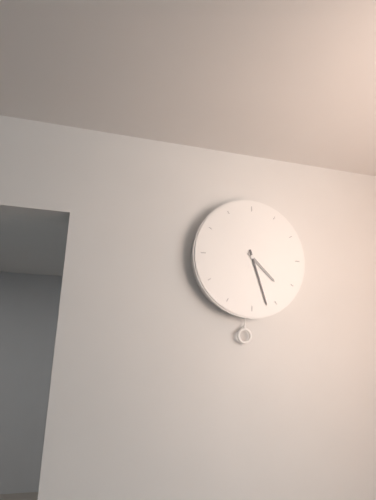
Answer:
4h27
